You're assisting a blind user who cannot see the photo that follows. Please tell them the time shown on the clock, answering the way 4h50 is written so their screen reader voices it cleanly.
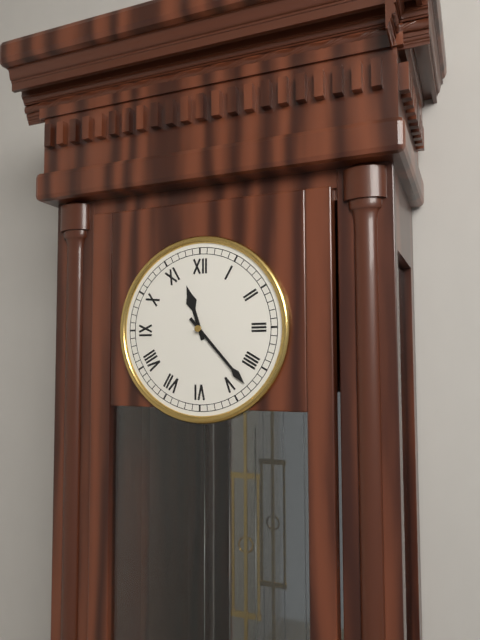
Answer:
11h23
